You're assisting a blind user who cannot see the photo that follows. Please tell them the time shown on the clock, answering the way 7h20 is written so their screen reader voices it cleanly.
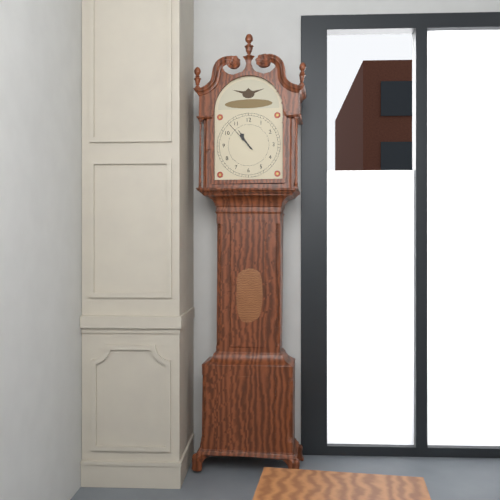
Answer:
10h53
